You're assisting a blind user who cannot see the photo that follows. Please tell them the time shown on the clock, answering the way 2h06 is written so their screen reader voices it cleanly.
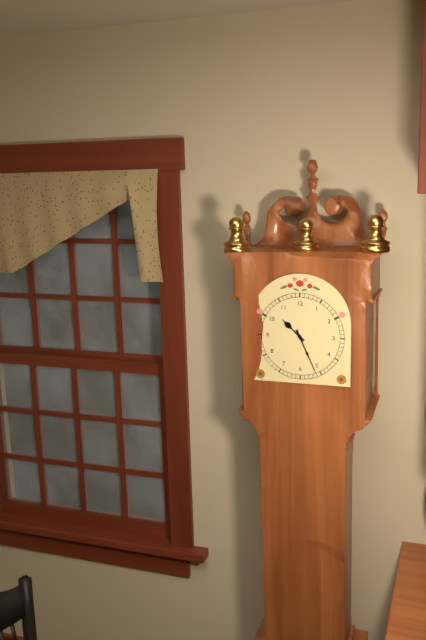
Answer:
10h26
